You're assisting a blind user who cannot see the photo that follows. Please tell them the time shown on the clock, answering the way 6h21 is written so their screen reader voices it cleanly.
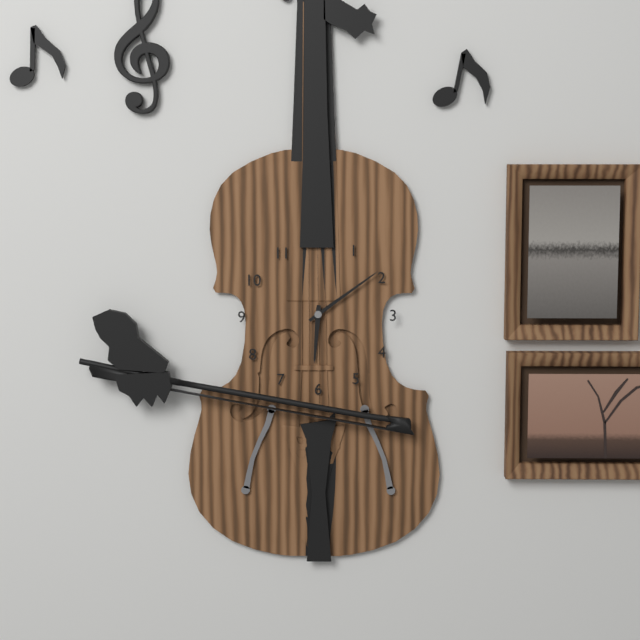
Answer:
6h09
